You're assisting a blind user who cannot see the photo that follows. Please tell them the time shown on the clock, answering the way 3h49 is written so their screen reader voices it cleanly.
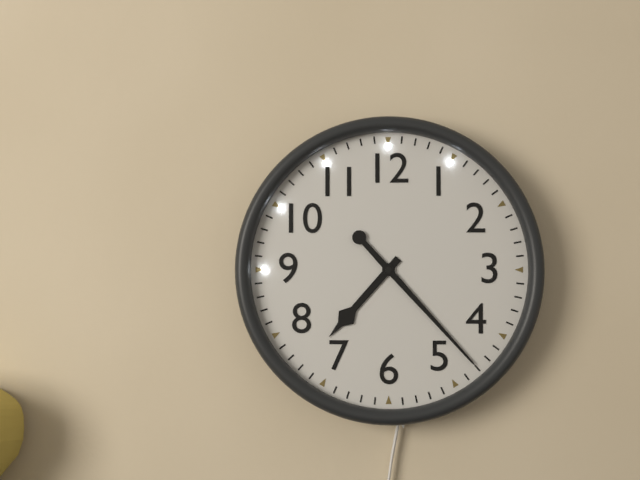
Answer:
7h23
